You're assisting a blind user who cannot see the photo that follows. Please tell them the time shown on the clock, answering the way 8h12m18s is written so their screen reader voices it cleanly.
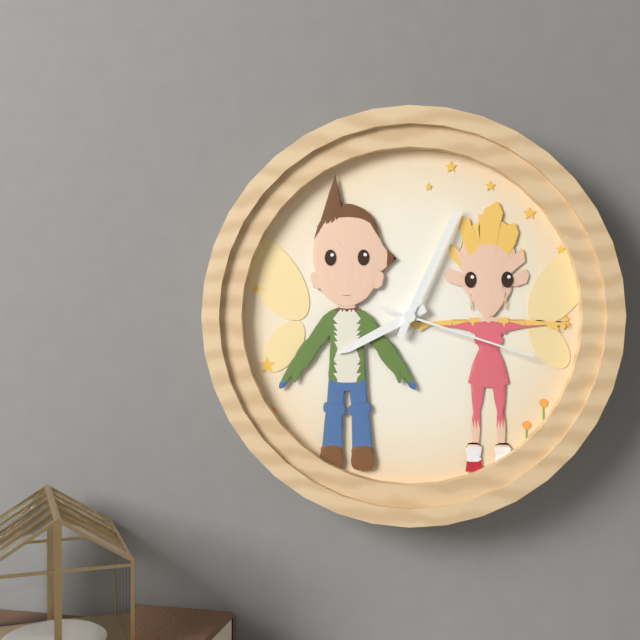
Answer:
8h04m18s
